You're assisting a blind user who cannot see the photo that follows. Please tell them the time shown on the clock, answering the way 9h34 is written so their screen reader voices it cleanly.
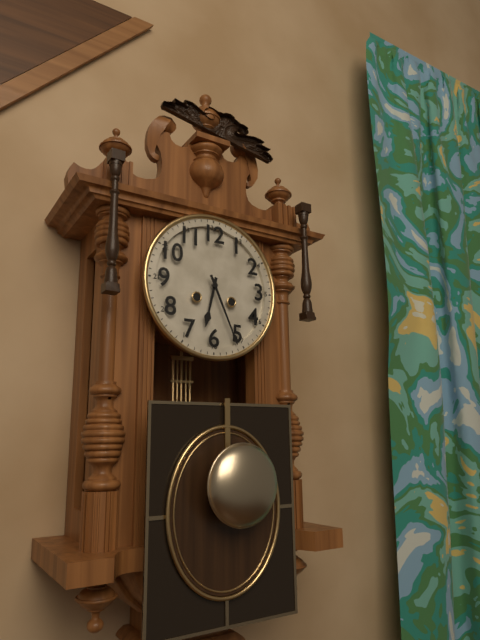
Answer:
6h26
